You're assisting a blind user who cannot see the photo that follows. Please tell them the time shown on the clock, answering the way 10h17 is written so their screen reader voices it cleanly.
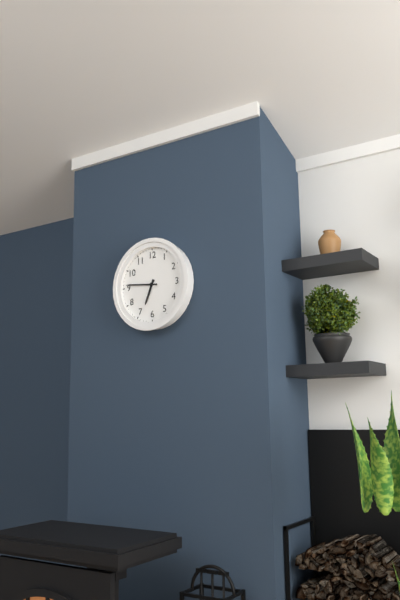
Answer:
6h46
